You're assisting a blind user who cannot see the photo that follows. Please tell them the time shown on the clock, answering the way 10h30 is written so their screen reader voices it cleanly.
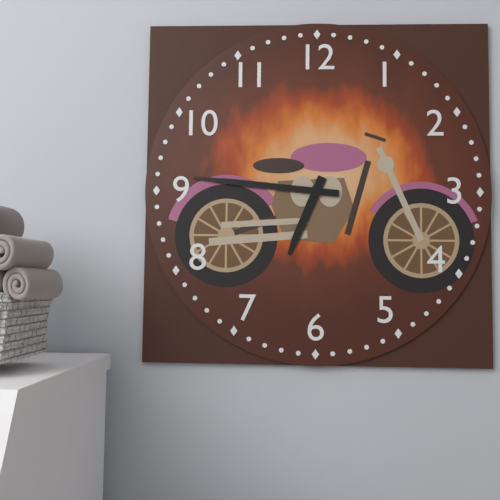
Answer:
6h46
